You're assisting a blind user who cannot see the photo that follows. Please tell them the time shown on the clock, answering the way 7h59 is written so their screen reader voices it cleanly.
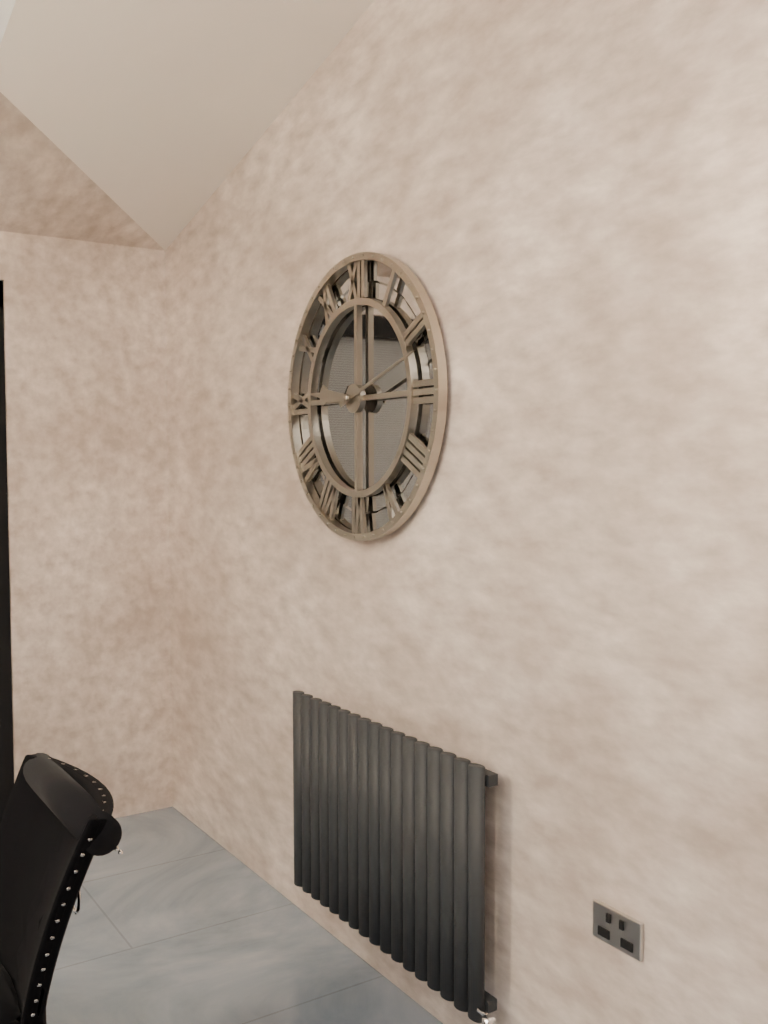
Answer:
9h12
